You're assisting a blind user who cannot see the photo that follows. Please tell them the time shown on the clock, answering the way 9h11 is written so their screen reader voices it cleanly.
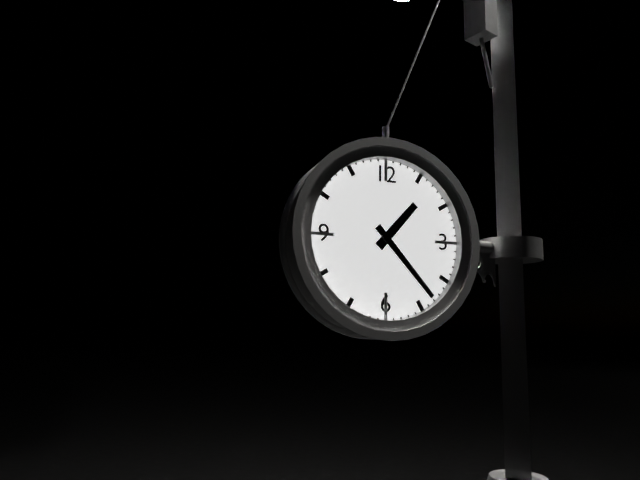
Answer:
1h23
